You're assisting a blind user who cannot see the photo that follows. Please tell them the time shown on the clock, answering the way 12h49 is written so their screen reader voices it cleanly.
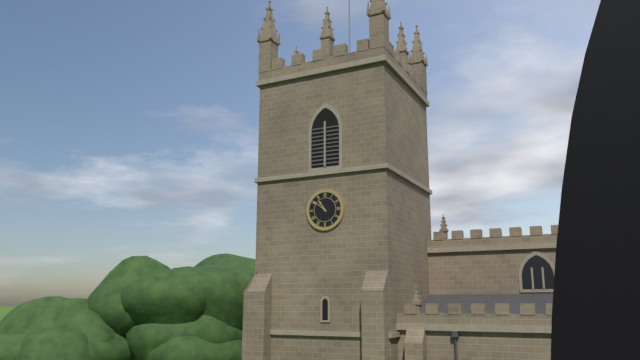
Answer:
10h51
